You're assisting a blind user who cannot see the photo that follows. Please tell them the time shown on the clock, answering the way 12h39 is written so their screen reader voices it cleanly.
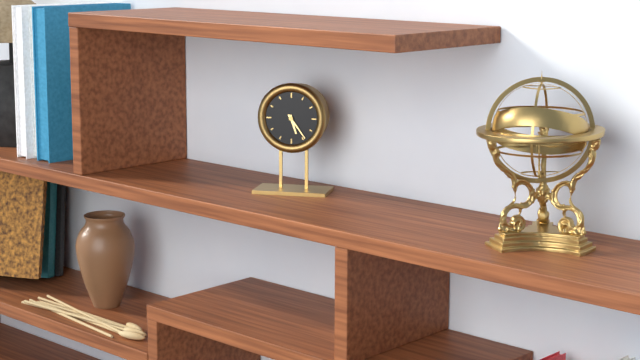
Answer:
5h24
